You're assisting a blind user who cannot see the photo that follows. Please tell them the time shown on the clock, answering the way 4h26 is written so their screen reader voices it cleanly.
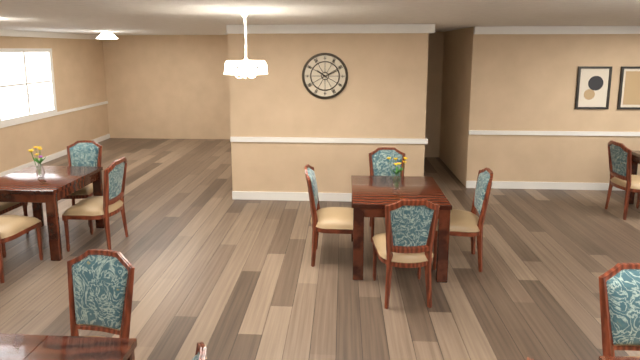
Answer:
10h11
